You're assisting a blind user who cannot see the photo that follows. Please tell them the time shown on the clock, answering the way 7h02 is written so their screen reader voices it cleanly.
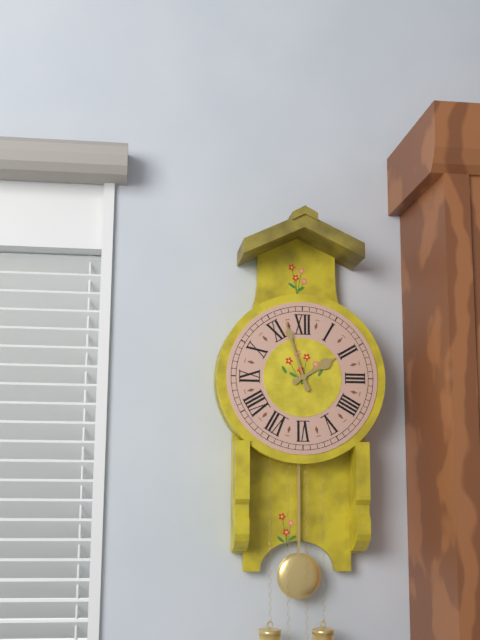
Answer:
1h57
